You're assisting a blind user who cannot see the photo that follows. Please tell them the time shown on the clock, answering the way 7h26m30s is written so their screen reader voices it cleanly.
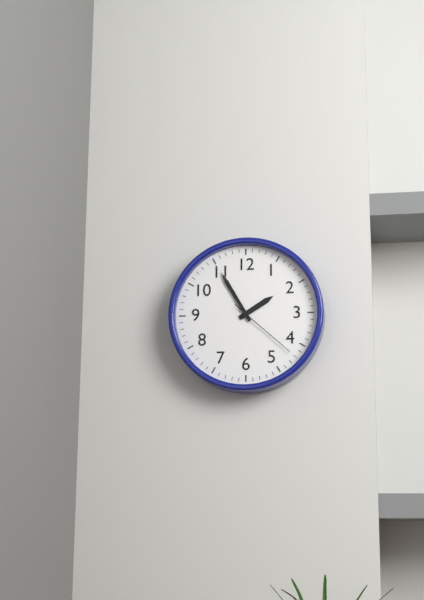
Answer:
1h55m22s
